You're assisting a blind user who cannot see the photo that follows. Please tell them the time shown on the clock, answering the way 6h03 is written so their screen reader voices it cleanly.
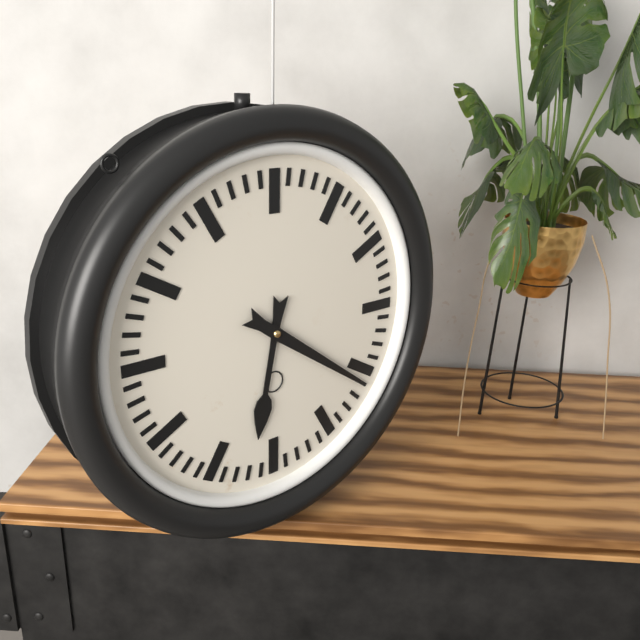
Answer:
6h21
